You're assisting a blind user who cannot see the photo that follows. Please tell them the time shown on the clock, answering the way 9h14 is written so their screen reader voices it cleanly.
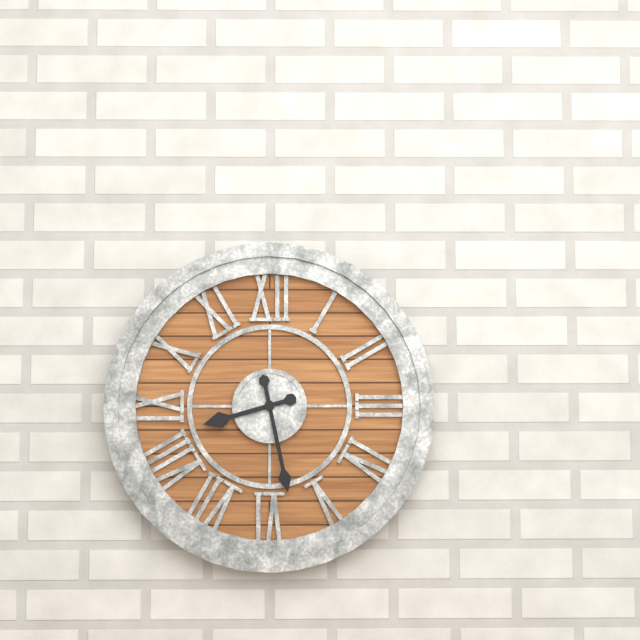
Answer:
8h28
